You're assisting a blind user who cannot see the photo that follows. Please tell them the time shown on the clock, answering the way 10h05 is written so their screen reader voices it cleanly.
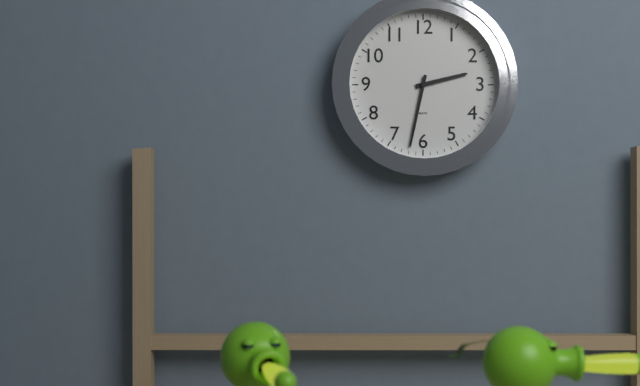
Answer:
2h32
